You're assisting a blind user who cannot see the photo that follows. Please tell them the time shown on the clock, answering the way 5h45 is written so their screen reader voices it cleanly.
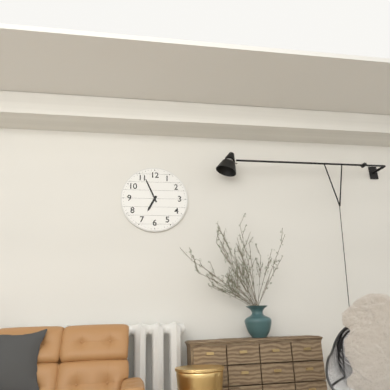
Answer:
6h56
